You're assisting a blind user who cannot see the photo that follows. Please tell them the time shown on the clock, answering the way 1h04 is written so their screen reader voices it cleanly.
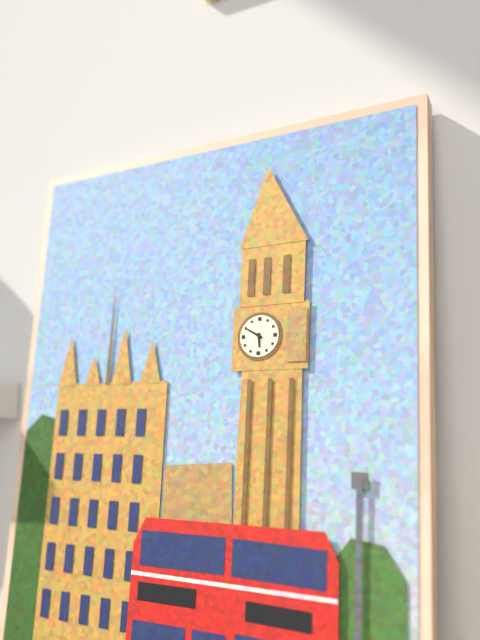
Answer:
5h50
